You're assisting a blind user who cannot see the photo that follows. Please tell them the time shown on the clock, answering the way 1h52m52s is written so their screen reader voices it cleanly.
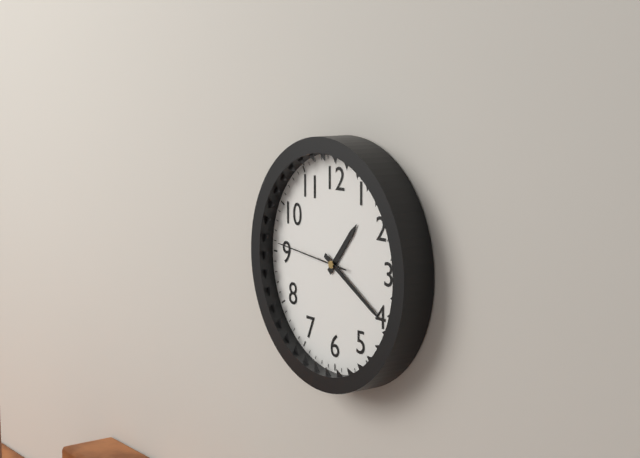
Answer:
1h20m46s
